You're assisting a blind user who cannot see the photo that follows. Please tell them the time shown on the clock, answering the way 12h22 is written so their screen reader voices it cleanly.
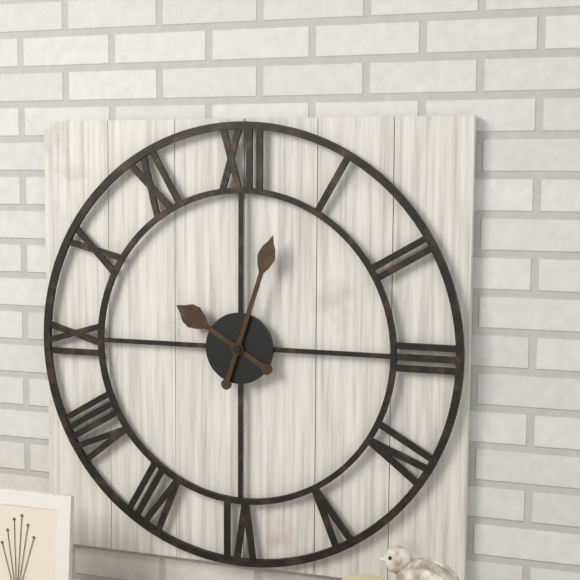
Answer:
10h03
